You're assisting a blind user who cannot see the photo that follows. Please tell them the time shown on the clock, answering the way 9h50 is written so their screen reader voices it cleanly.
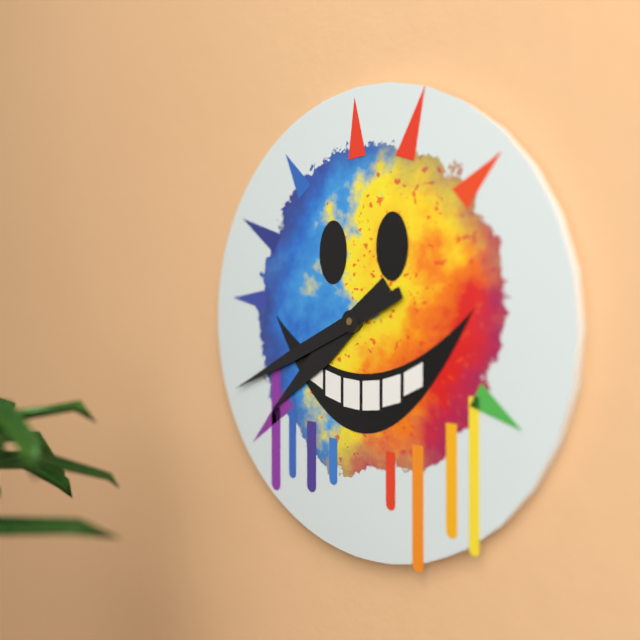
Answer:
7h41
